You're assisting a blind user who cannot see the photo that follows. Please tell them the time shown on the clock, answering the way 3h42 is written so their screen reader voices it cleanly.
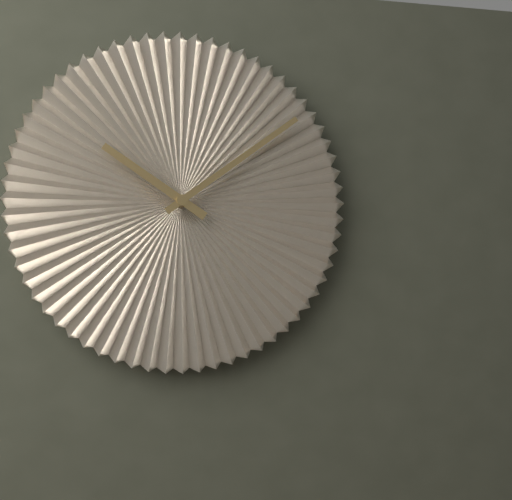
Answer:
10h09
